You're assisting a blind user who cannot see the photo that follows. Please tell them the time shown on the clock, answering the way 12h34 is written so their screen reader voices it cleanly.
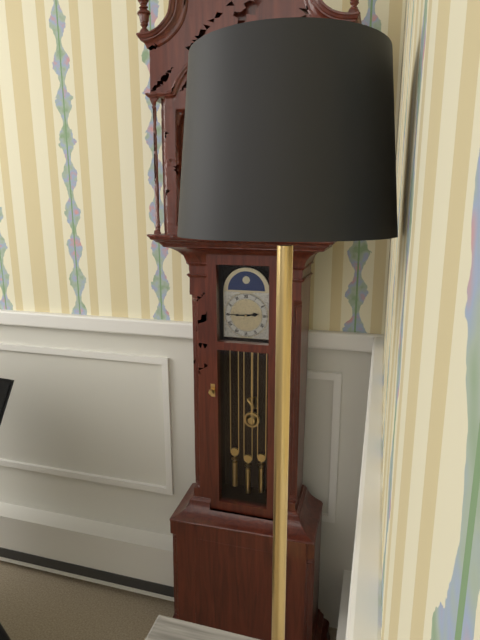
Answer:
2h45
